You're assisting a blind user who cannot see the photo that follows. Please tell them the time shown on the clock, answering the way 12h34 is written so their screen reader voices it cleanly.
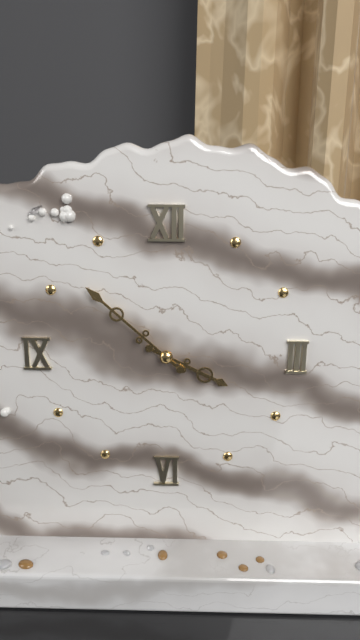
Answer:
3h52
